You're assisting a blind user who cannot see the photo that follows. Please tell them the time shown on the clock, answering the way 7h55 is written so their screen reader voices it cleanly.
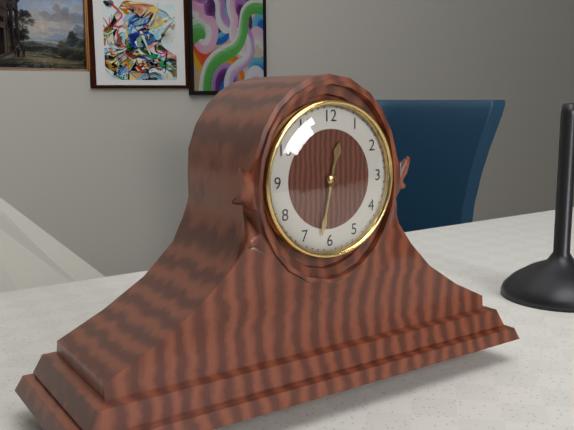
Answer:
12h32
